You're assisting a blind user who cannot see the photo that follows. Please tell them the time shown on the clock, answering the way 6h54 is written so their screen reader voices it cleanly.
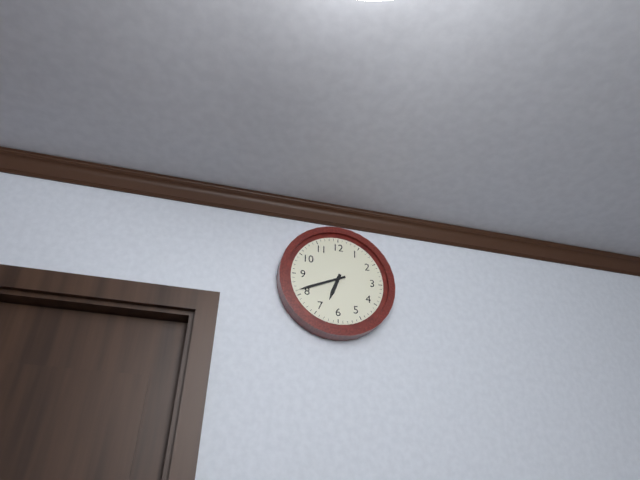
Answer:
6h41
